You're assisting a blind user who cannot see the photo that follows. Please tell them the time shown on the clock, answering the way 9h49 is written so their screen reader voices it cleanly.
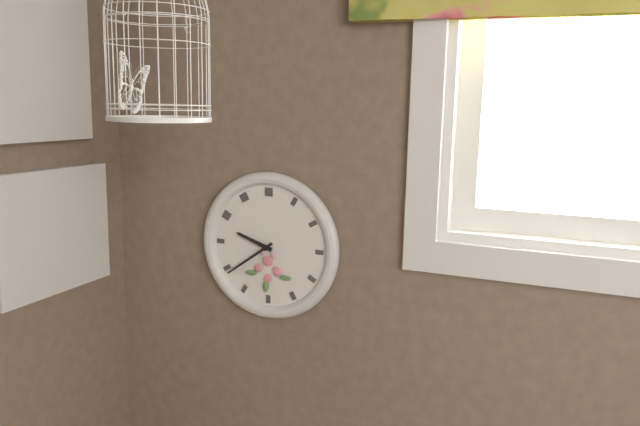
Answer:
9h39
